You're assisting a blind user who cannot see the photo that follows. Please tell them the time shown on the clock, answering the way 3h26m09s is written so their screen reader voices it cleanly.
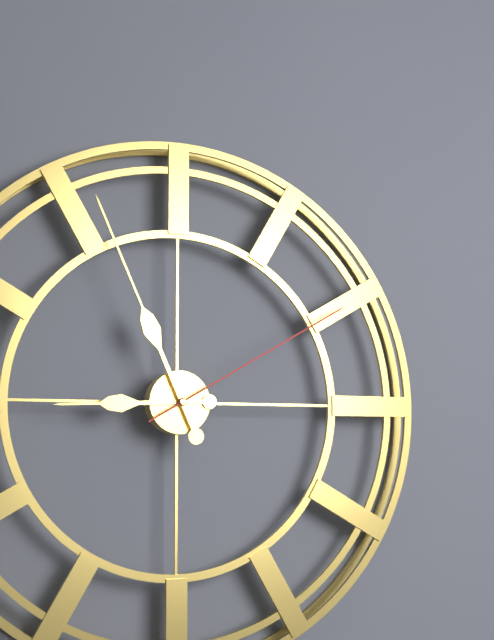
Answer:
8h56m10s
